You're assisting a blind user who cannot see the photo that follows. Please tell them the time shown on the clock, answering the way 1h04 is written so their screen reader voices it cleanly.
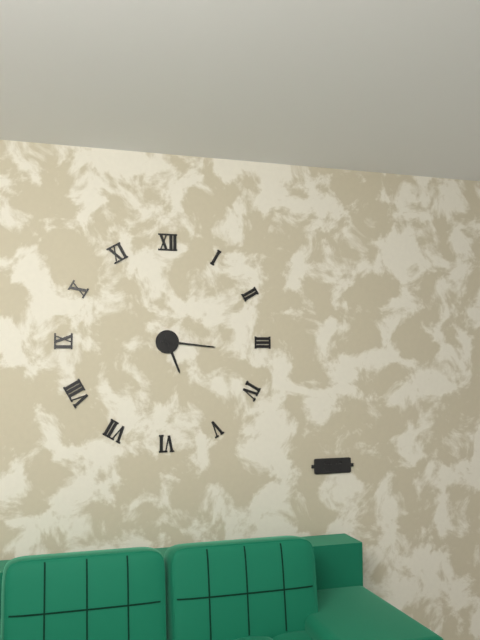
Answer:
5h16
